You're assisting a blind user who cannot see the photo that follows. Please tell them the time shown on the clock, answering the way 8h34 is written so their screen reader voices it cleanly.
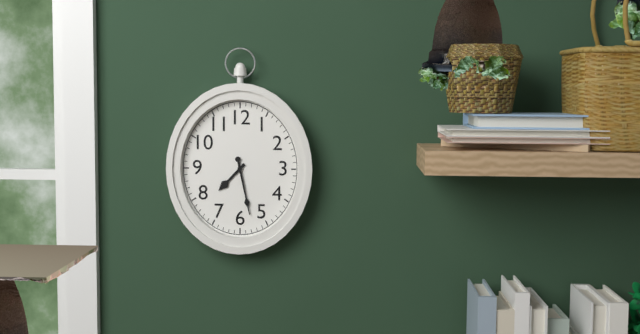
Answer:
7h28
